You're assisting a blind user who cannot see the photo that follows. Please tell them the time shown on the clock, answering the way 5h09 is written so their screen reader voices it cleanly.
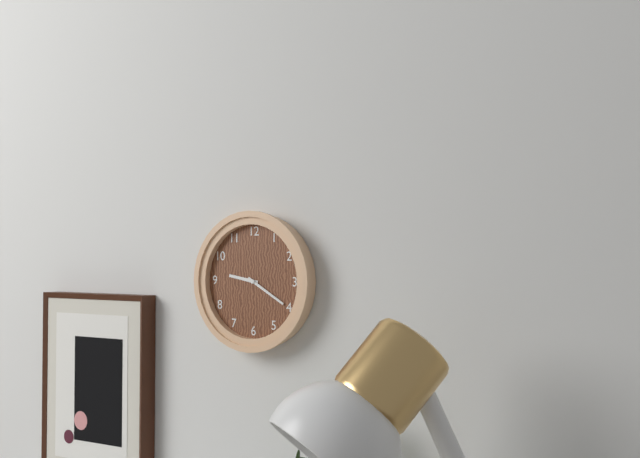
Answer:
9h20
